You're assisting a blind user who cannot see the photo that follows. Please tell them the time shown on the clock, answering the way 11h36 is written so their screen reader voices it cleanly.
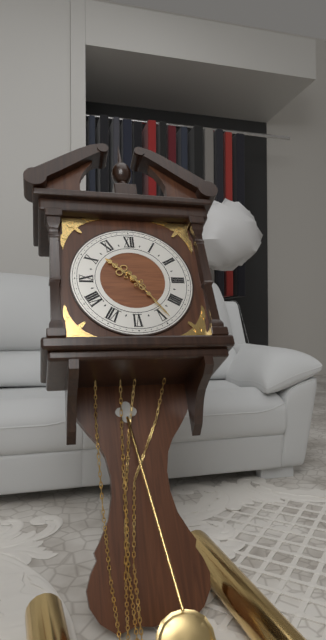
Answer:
10h24
